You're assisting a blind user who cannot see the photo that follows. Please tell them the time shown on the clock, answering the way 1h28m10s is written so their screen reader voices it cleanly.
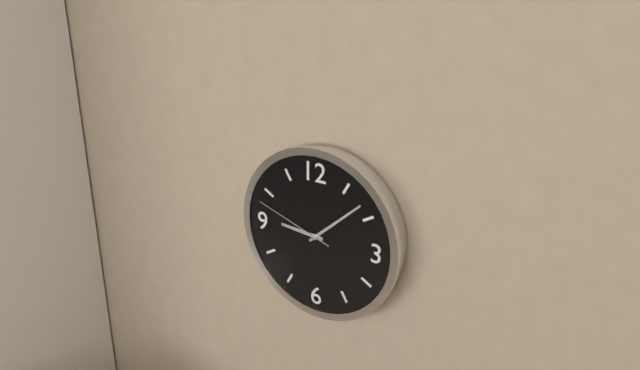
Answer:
9h08m48s
